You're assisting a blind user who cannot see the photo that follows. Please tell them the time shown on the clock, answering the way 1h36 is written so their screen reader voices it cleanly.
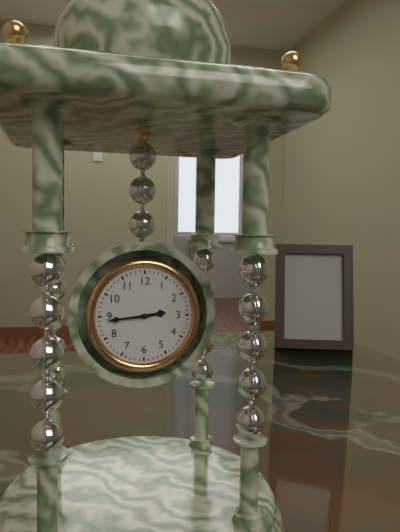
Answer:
2h44
